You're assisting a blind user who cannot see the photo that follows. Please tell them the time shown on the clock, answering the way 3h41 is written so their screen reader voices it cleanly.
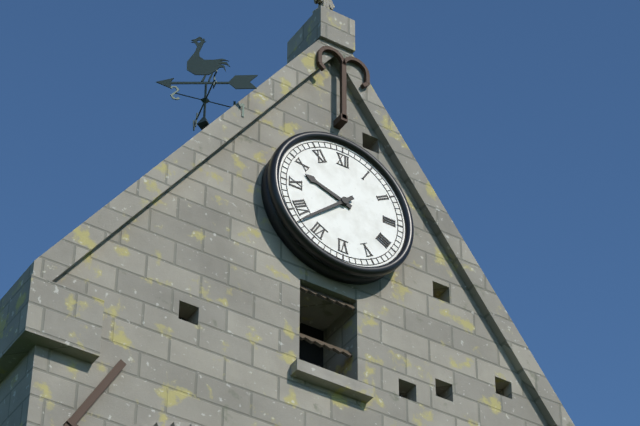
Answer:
9h38
